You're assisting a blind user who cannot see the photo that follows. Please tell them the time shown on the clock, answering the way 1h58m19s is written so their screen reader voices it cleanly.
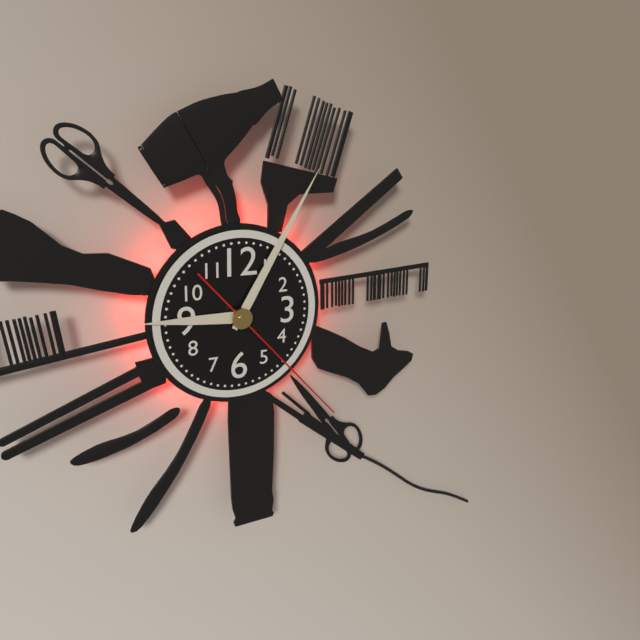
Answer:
9h05m23s
